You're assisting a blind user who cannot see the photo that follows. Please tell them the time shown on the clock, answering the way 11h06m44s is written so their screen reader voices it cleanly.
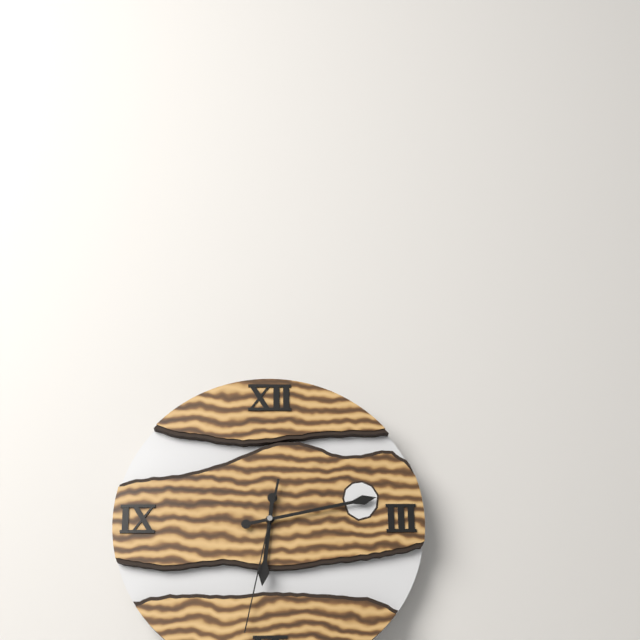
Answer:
6h13m32s
